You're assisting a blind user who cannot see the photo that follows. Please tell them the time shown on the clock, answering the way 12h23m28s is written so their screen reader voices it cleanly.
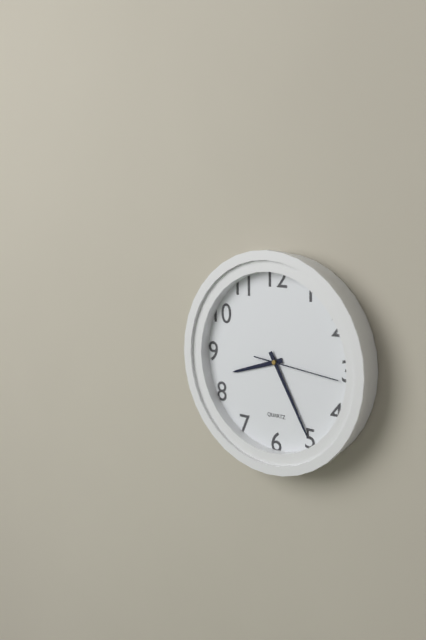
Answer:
8h25m16s
